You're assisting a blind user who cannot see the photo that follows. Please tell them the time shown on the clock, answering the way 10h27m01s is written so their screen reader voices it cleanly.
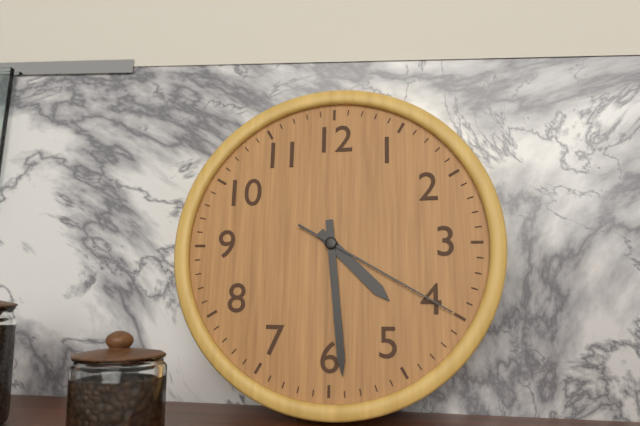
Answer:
4h29m20s
